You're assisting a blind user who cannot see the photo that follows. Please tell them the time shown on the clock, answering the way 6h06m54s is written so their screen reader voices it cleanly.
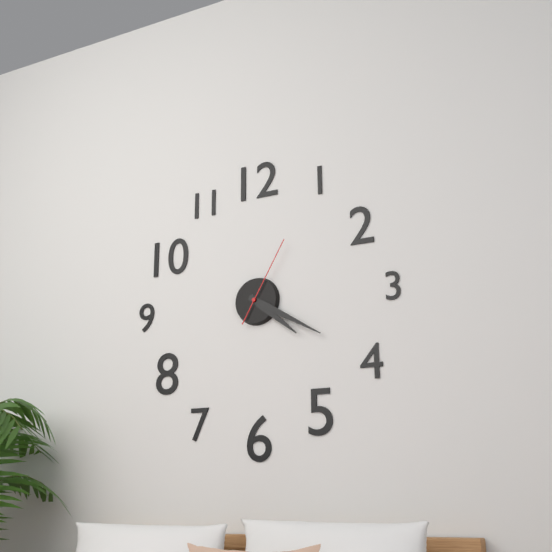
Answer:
4h20m05s
